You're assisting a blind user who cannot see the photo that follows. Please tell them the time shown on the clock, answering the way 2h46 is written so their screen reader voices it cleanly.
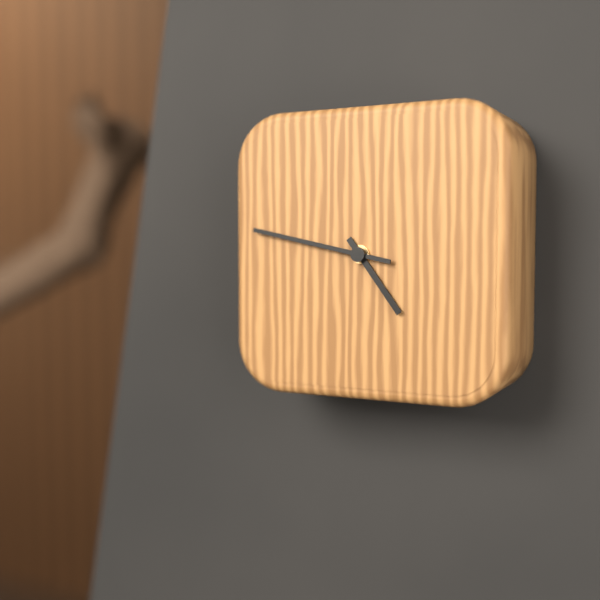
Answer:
4h47
